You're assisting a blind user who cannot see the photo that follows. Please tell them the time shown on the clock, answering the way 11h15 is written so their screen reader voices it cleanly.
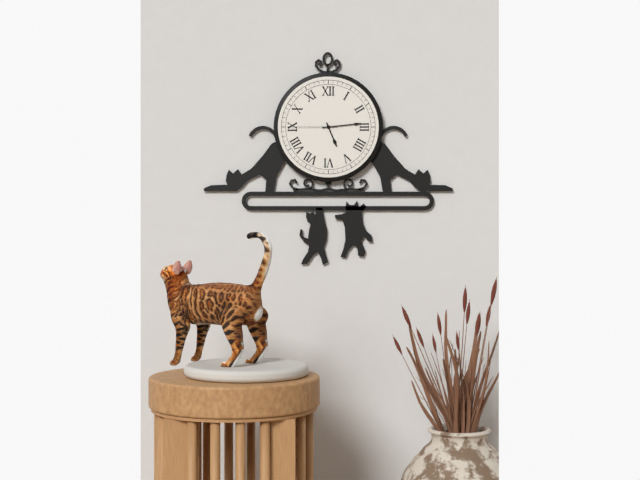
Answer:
5h14
